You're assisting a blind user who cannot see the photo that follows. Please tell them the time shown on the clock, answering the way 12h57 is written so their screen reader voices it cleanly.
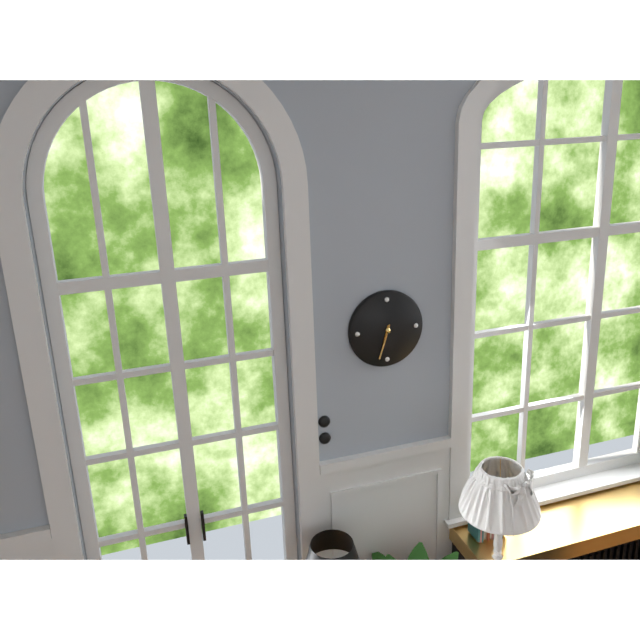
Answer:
6h33
